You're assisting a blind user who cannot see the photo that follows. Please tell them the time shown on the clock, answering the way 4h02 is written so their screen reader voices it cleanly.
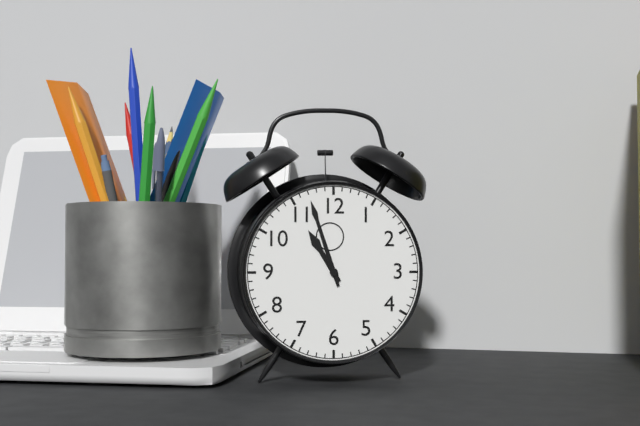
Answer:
10h57
